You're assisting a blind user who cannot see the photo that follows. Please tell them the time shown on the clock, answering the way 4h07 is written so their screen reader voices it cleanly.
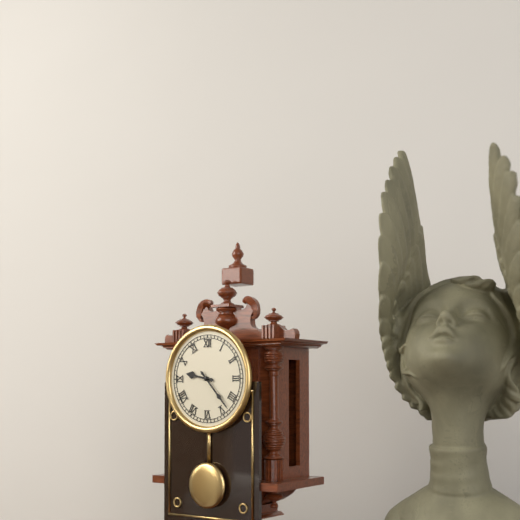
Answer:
9h23
